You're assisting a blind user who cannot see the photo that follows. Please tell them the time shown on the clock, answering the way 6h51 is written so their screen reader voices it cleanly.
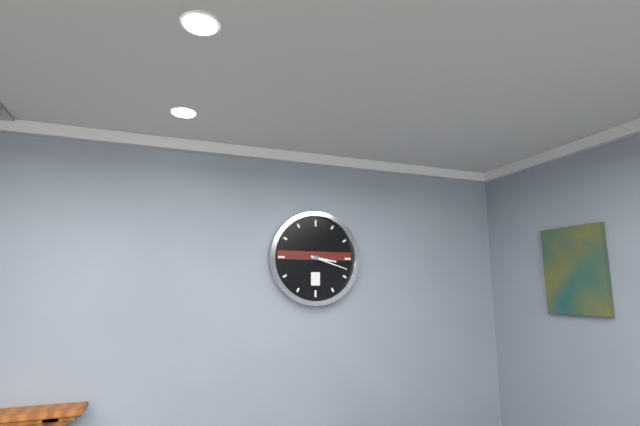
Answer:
3h18
